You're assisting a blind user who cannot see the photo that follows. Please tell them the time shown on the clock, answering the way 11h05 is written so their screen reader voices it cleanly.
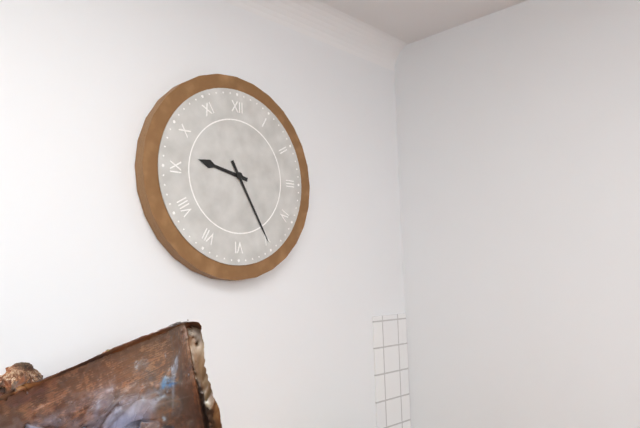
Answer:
9h25
